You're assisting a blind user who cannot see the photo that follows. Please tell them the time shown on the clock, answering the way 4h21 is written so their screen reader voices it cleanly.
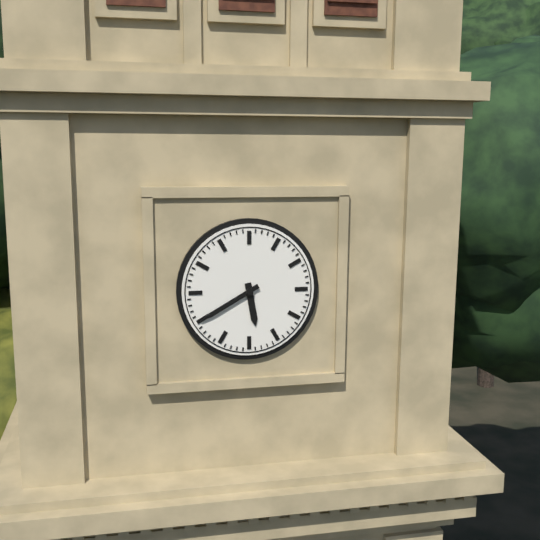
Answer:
5h40
